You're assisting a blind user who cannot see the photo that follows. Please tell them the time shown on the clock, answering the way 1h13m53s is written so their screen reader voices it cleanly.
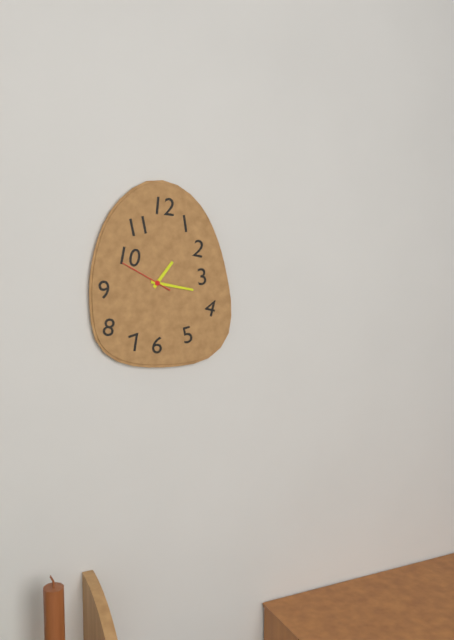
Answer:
1h17m50s
